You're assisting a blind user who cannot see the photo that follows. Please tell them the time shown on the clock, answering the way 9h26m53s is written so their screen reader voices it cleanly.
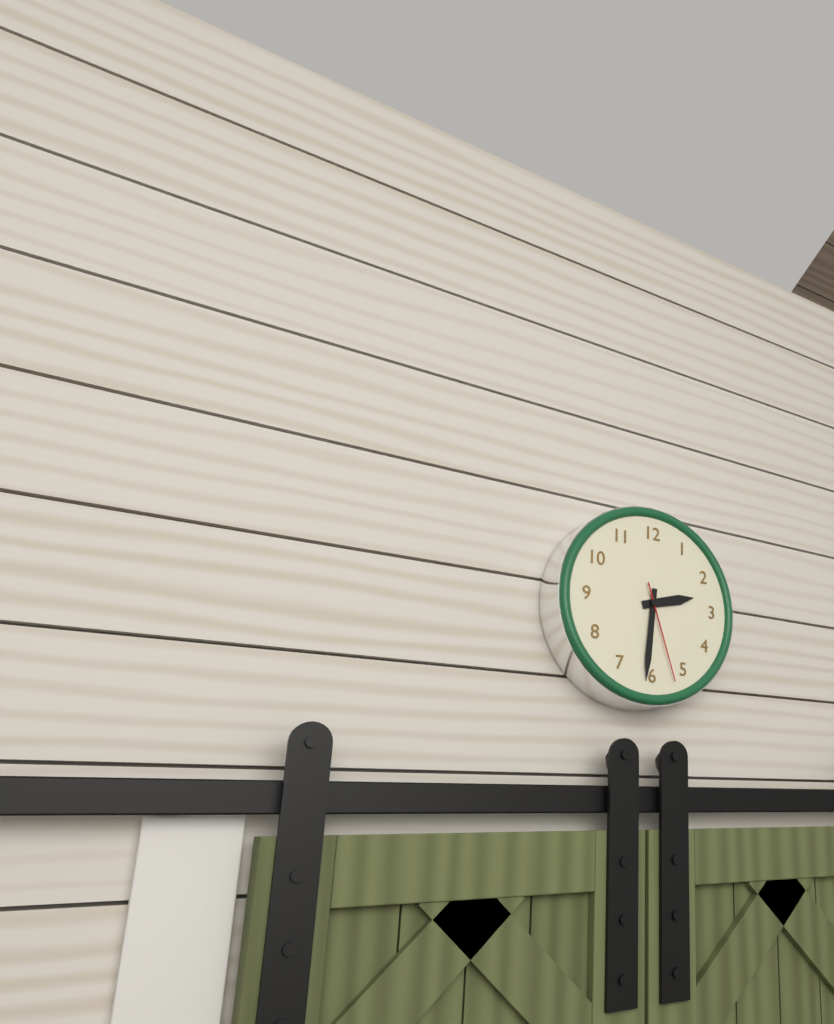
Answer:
2h31m27s
